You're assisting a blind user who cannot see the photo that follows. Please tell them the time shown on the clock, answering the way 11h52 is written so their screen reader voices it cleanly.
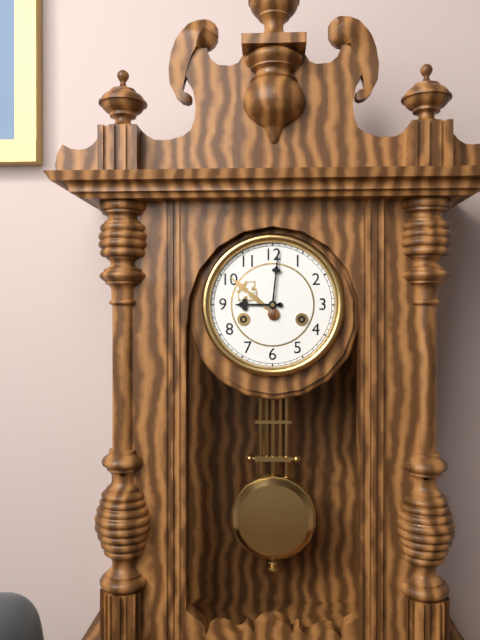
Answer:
9h01
